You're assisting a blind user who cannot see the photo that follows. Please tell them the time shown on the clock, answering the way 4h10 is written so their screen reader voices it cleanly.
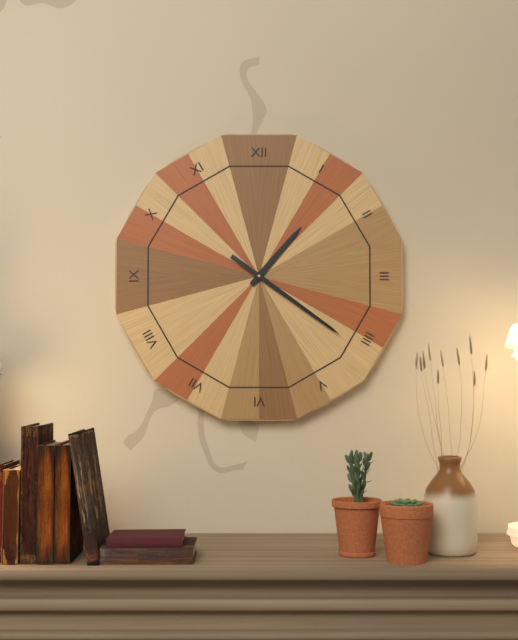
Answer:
1h21
